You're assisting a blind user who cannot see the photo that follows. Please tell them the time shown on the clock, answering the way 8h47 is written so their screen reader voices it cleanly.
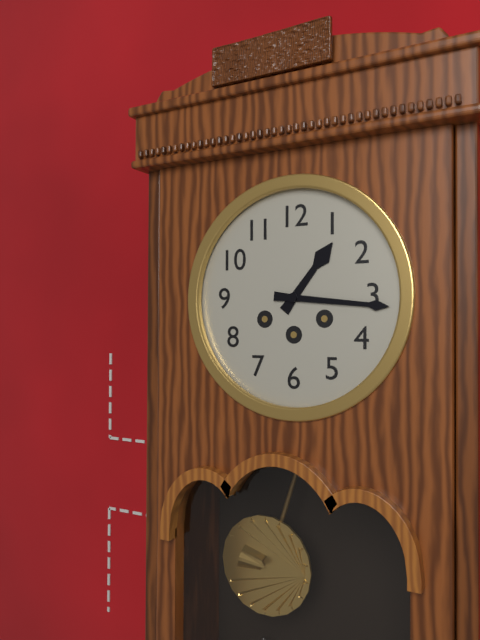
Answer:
1h16
